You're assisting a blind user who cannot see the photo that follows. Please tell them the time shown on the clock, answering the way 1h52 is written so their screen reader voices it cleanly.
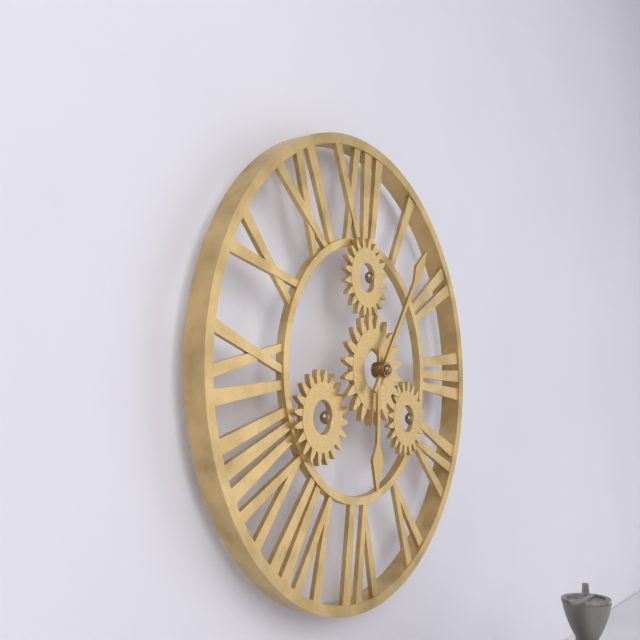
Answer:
6h06
